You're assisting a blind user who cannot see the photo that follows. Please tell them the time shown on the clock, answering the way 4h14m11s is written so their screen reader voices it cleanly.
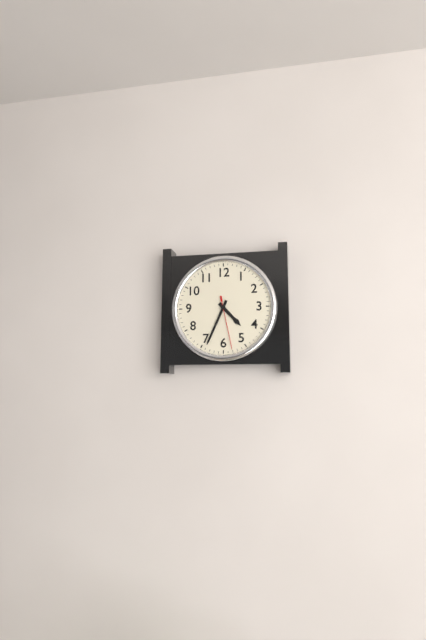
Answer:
4h34m28s
